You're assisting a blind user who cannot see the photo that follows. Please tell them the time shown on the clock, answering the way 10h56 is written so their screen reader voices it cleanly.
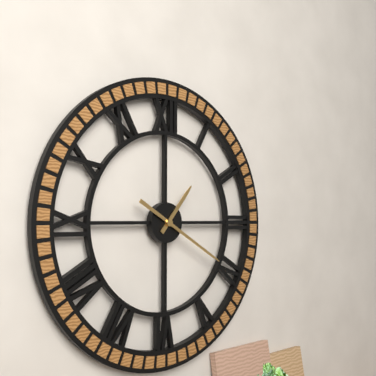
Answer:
1h20
